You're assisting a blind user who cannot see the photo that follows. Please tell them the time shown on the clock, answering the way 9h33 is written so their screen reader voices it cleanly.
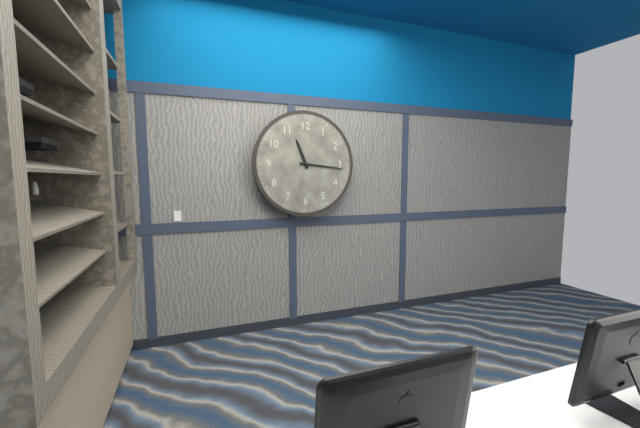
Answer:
11h16
